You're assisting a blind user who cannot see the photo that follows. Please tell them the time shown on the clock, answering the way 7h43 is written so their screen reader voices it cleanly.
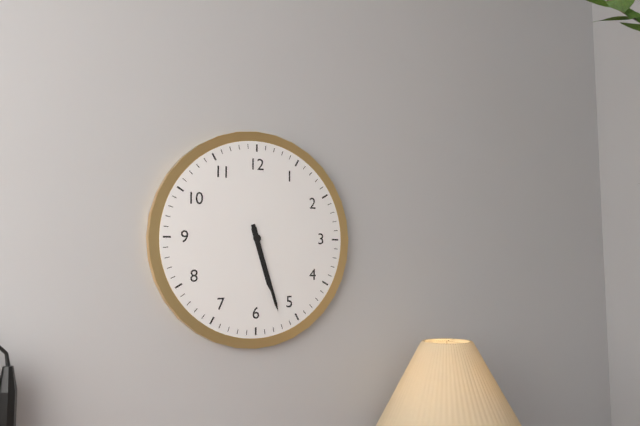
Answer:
5h27
